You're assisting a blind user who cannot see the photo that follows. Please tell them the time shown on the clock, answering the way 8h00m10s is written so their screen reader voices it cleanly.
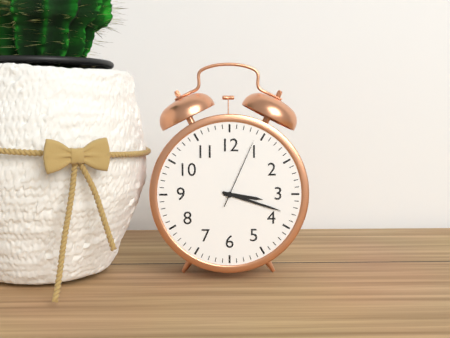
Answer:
3h18m04s
